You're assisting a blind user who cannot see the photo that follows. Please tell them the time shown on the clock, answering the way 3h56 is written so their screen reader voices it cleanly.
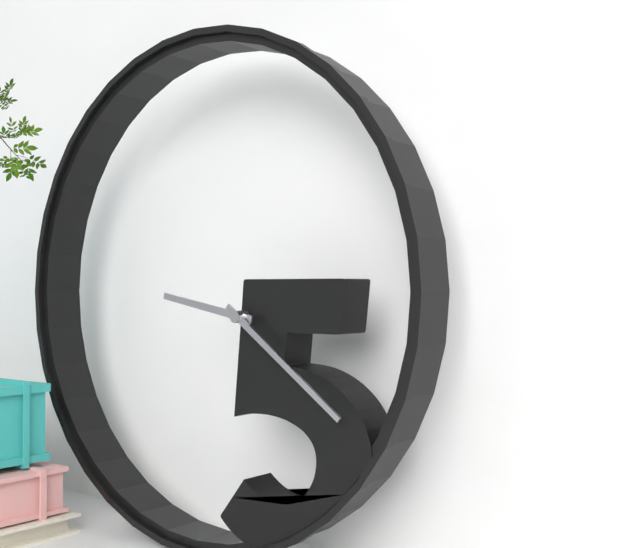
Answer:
9h21
